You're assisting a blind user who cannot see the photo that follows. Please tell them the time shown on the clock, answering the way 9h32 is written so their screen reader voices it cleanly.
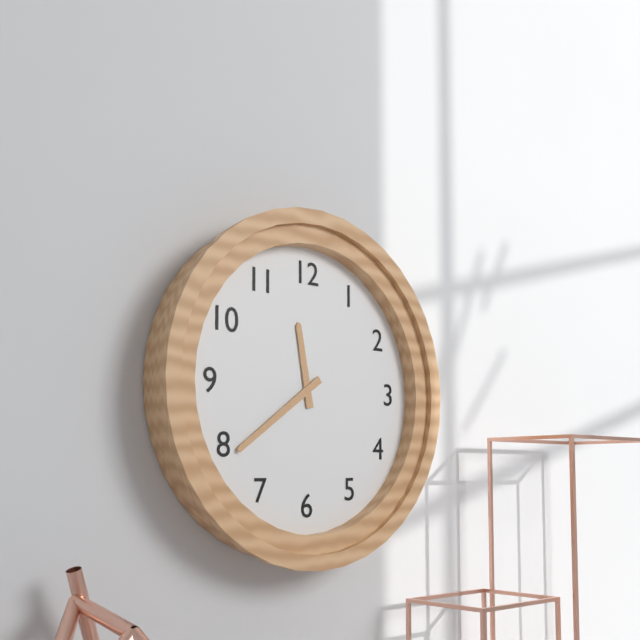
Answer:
11h39
